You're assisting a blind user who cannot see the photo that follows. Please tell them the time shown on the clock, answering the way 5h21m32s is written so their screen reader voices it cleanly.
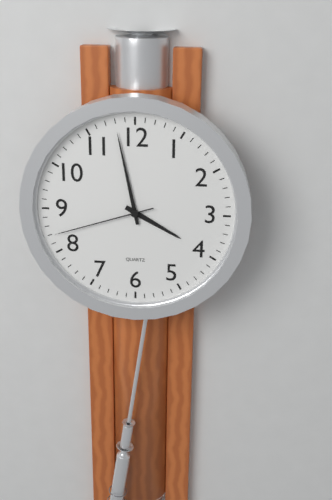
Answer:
3h58m42s
